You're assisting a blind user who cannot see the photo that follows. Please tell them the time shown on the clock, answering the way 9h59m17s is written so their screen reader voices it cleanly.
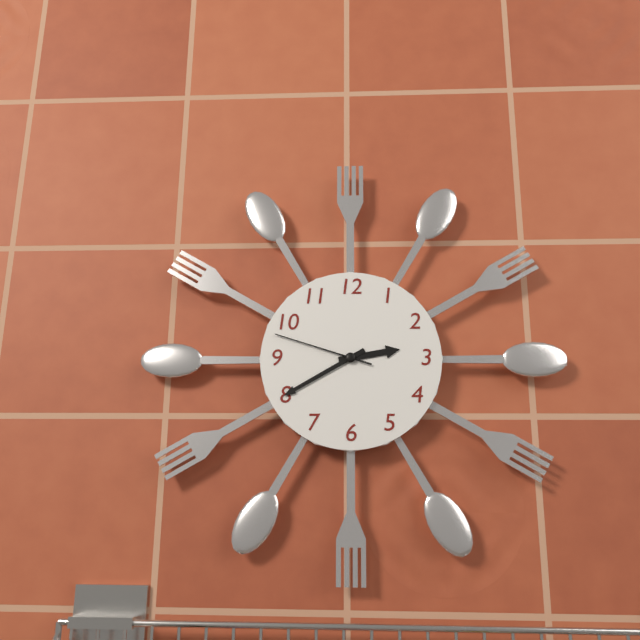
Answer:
2h40m48s
